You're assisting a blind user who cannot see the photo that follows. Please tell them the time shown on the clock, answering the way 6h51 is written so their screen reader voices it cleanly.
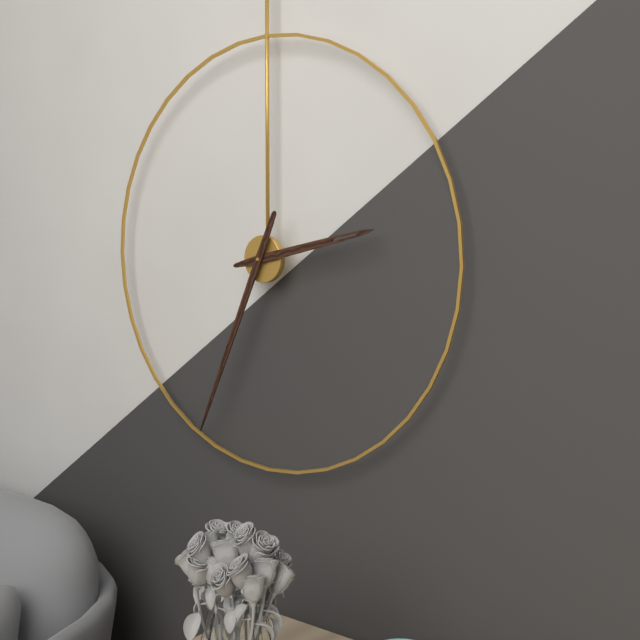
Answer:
2h34
